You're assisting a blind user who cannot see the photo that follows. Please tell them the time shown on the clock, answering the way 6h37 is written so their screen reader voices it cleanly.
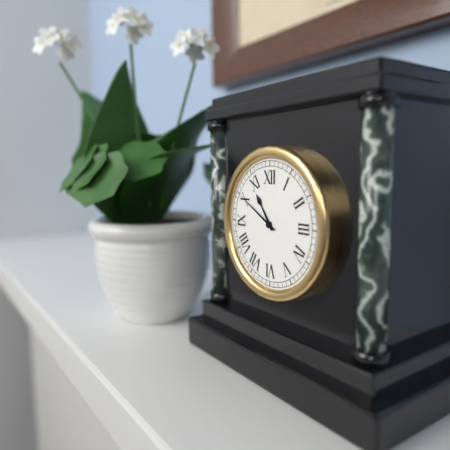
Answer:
10h50
